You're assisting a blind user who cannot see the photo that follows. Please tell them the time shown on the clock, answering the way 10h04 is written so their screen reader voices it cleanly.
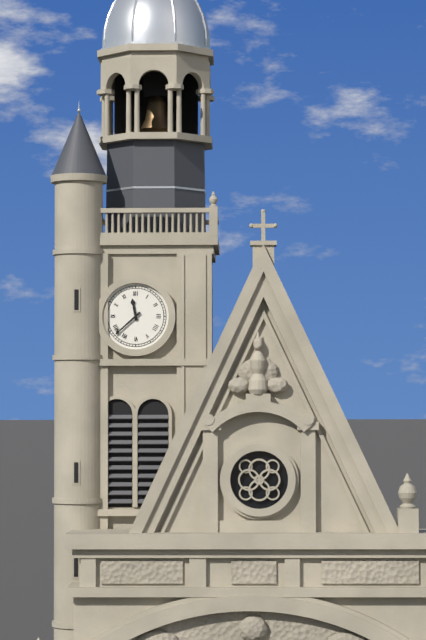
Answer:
11h38
